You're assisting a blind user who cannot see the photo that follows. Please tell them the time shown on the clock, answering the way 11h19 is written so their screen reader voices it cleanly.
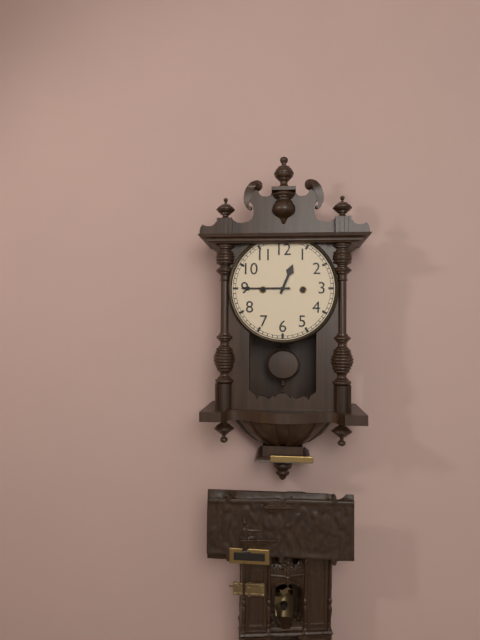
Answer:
12h45
